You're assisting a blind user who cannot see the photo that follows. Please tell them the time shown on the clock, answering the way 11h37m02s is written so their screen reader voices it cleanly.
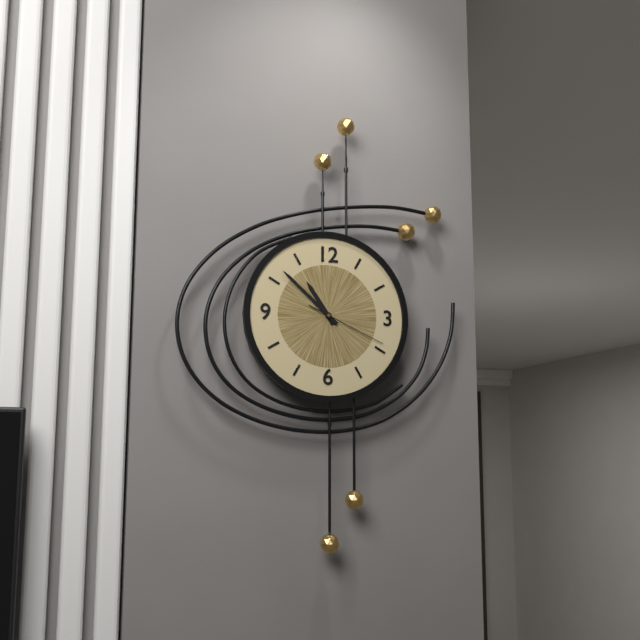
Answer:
10h52m19s
